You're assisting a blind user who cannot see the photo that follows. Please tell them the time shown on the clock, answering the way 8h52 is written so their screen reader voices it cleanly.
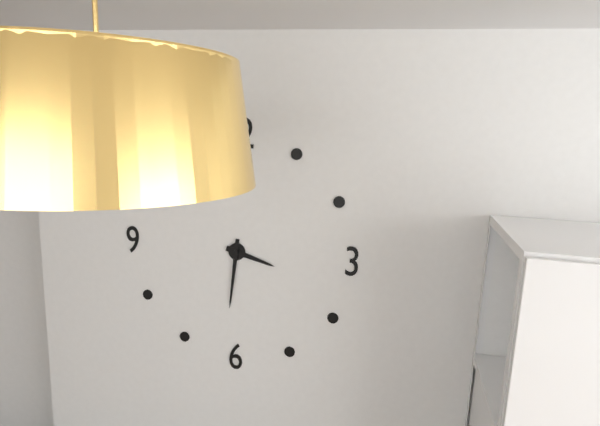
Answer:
3h31
